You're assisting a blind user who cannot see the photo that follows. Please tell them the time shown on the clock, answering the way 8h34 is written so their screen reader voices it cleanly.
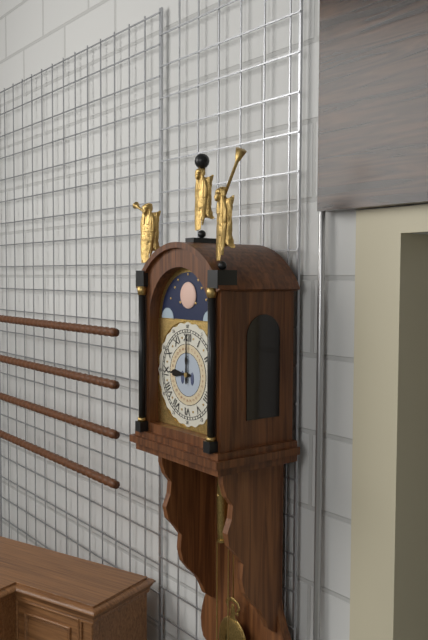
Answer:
9h00
